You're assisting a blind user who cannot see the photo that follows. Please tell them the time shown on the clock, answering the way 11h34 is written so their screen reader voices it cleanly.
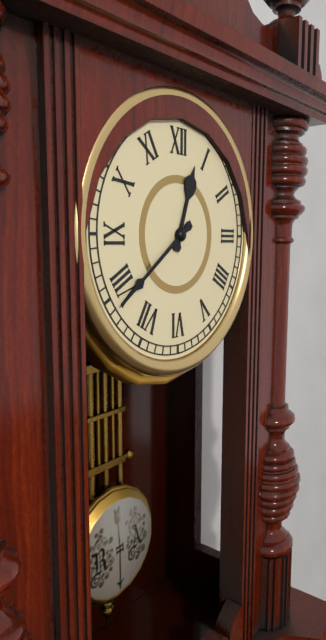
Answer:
12h39
